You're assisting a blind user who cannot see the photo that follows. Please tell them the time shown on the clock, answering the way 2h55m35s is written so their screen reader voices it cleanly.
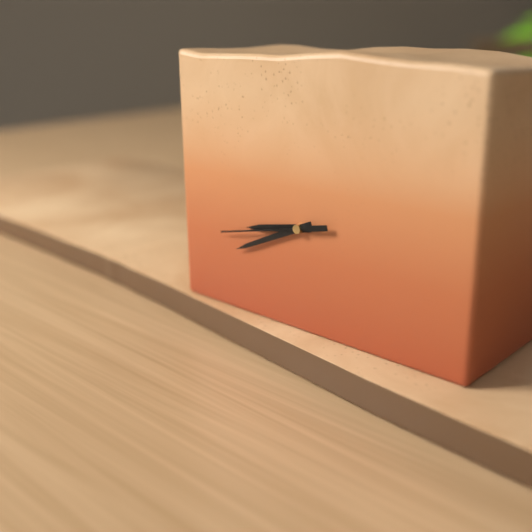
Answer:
8h41m43s
